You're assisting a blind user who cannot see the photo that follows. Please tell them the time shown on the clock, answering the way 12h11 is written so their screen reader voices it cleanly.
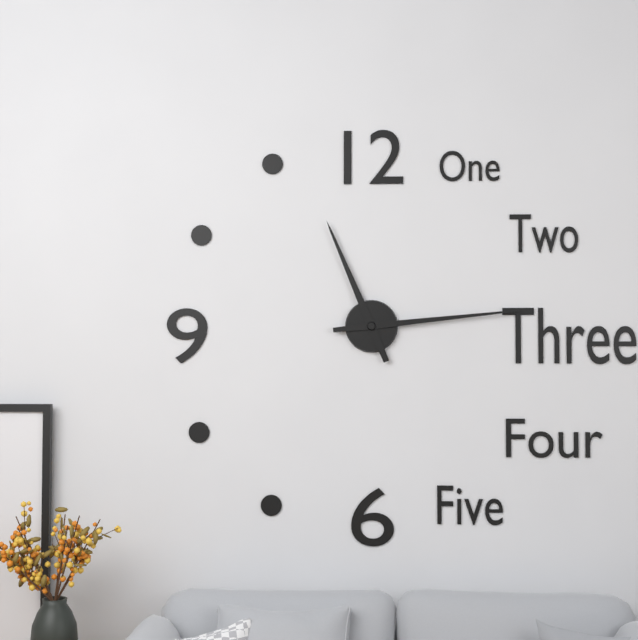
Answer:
11h14
